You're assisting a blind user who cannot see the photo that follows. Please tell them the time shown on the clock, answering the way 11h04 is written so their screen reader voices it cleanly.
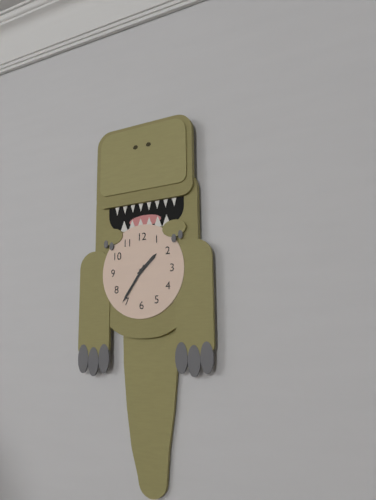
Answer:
1h36
